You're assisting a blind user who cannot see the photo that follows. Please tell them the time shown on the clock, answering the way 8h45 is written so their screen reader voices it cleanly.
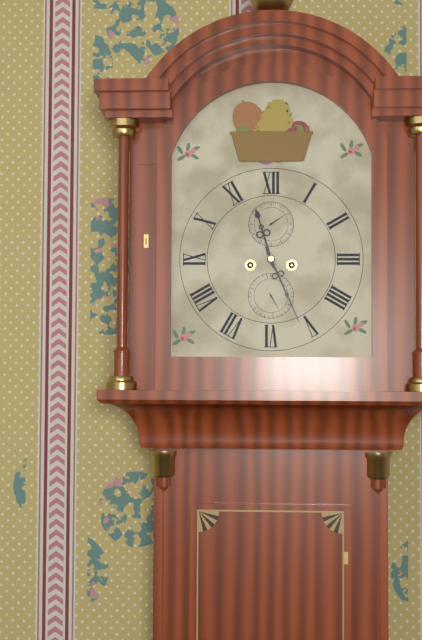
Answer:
11h26
